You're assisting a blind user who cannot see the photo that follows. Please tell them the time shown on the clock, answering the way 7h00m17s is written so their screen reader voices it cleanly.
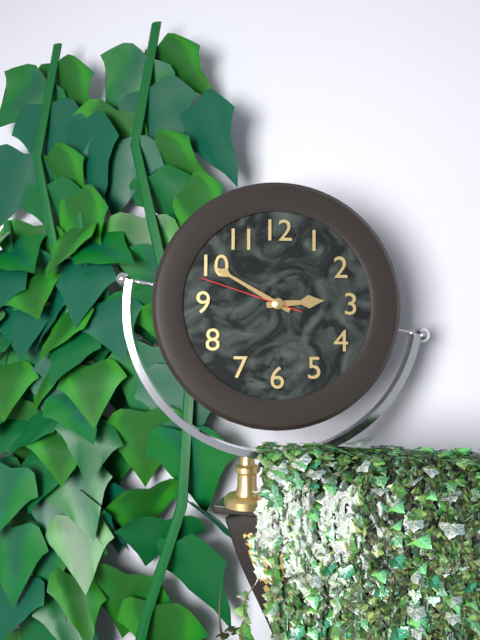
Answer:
2h50m48s
